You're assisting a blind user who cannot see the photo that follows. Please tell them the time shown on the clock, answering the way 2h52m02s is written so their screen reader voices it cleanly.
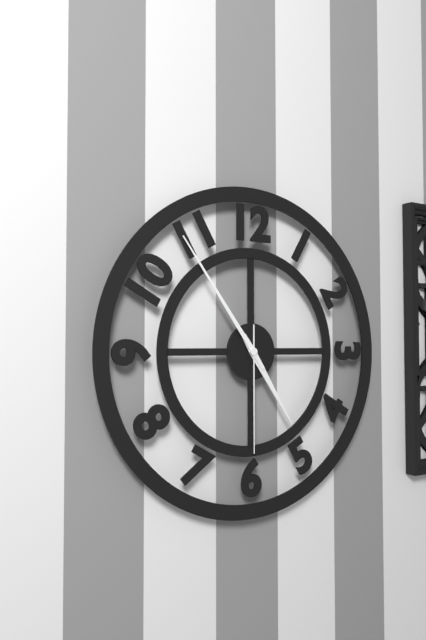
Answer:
4h54m30s
